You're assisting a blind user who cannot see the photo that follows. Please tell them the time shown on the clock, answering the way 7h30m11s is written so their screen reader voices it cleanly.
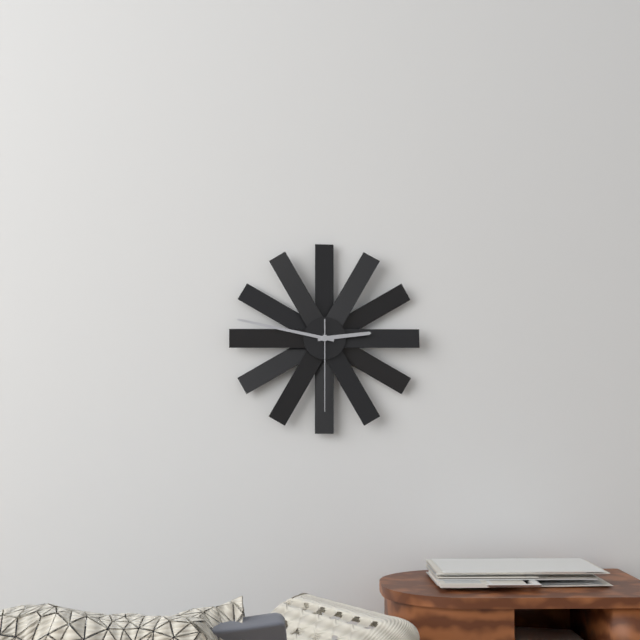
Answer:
2h47m30s
